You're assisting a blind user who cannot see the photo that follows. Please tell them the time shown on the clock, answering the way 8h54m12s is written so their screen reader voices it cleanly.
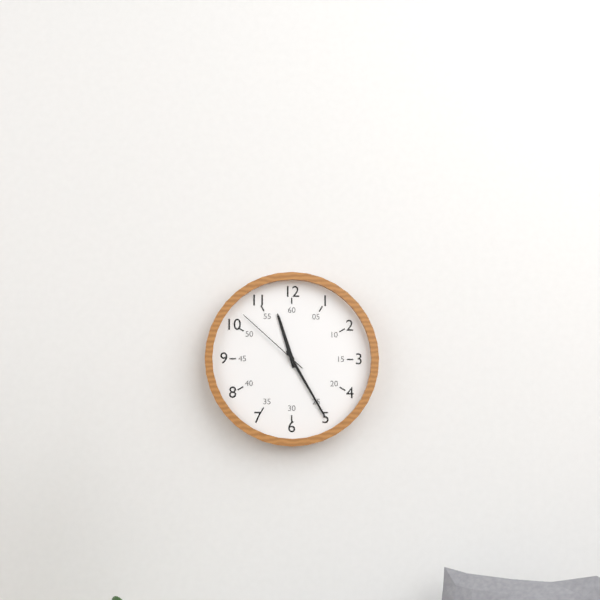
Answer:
11h25m52s
